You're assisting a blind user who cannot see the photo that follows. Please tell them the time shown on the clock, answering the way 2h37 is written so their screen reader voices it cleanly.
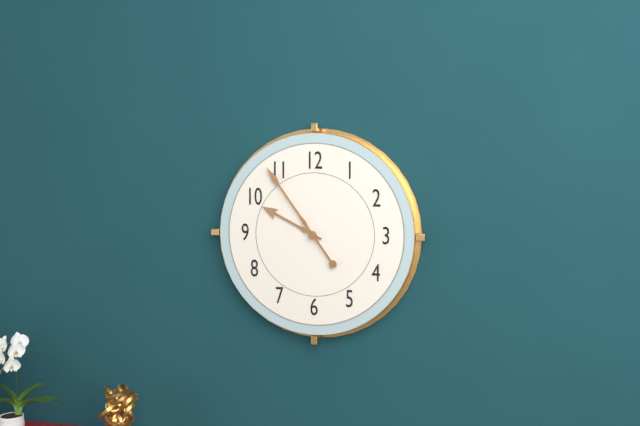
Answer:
9h54
